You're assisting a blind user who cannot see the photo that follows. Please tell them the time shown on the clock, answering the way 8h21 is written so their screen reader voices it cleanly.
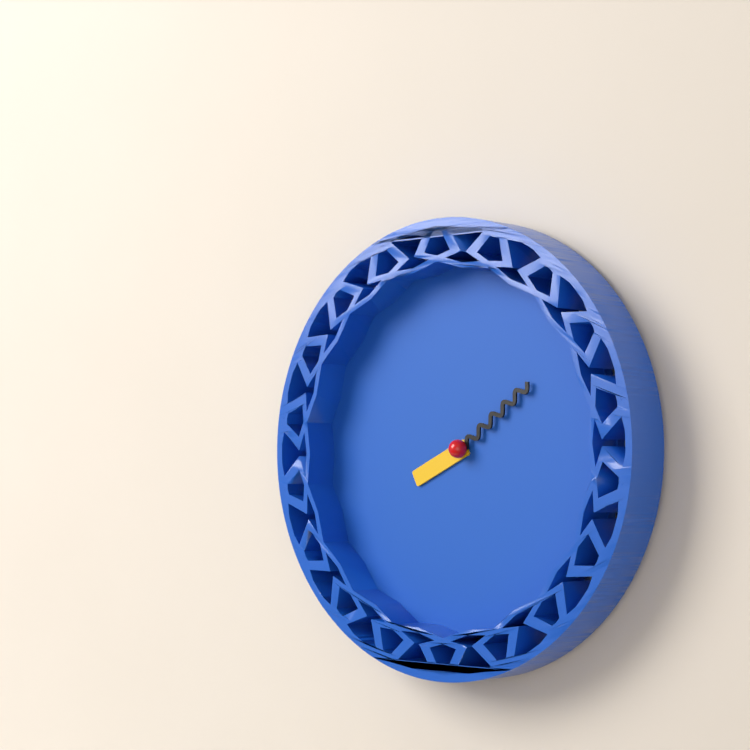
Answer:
8h09
